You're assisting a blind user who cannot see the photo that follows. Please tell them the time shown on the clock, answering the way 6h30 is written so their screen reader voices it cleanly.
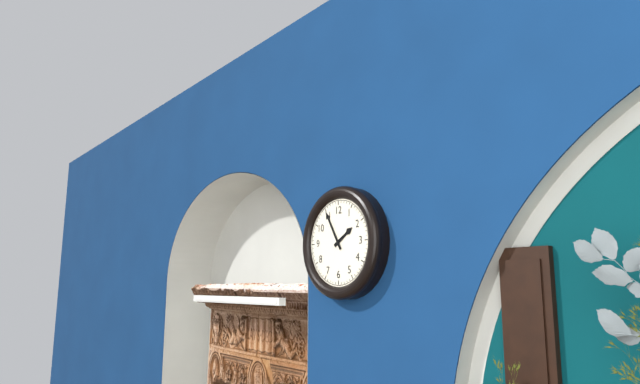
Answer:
1h55
